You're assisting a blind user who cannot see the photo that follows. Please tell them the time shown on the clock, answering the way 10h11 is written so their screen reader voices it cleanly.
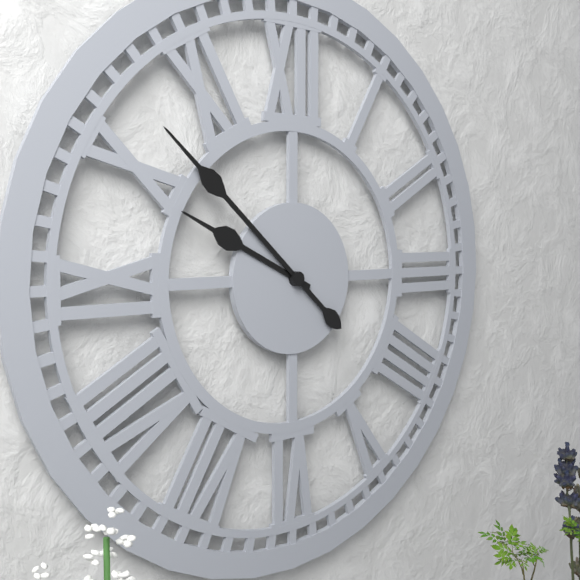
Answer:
9h52
